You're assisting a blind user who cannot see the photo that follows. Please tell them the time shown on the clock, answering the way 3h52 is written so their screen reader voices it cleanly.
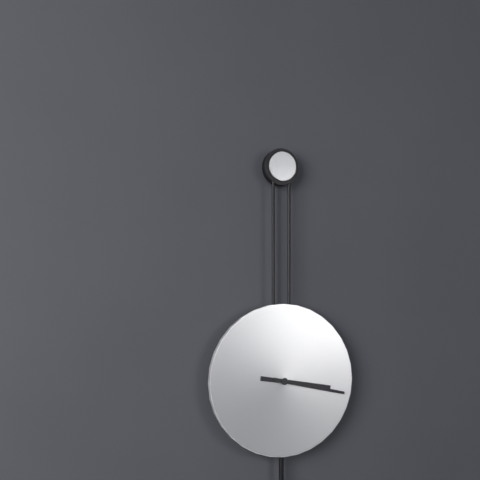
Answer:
3h17
